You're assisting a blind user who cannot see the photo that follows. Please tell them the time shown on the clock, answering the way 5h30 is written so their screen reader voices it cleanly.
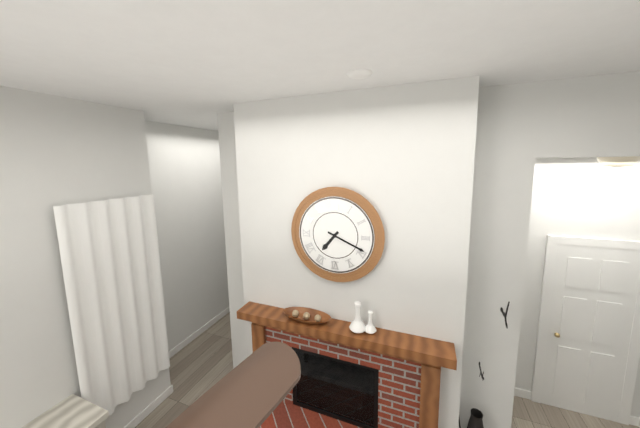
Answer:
7h19
